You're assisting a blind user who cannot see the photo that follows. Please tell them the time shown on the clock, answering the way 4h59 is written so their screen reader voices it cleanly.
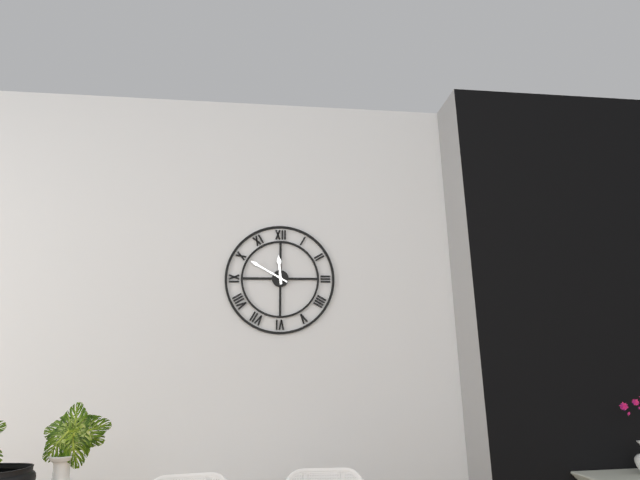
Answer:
11h50
